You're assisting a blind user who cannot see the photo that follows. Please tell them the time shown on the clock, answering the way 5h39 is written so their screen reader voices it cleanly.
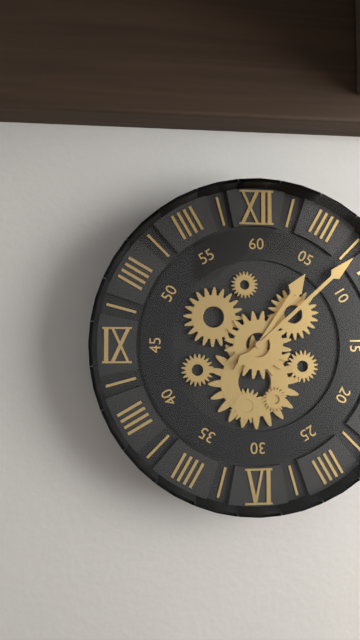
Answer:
1h08
